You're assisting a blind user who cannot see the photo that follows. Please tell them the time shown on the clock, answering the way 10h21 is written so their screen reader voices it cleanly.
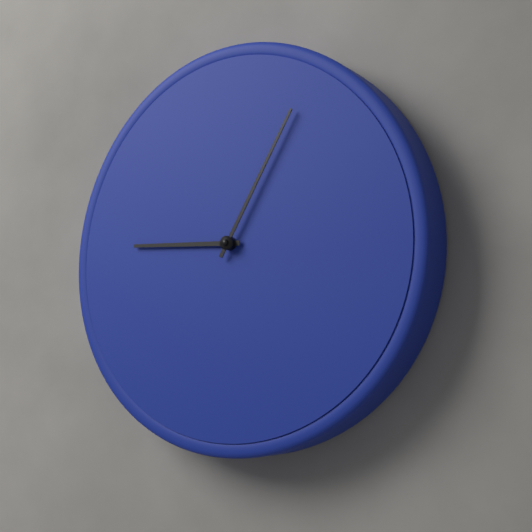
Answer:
9h05
